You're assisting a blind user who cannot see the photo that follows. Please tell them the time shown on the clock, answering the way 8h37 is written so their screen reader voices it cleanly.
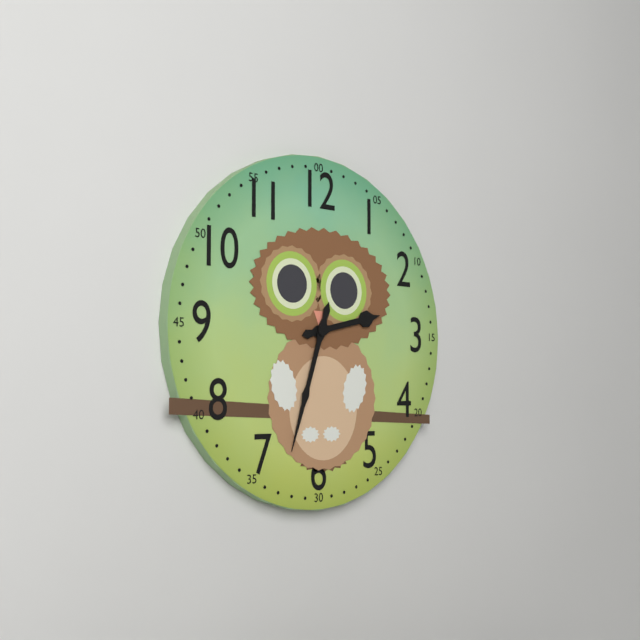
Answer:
2h33
